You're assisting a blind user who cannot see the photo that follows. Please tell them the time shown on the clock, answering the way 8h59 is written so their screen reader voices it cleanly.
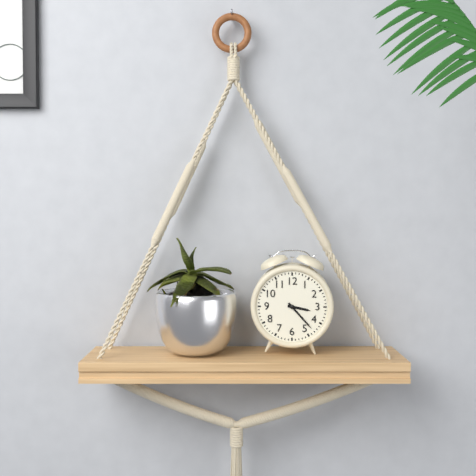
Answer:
3h23
